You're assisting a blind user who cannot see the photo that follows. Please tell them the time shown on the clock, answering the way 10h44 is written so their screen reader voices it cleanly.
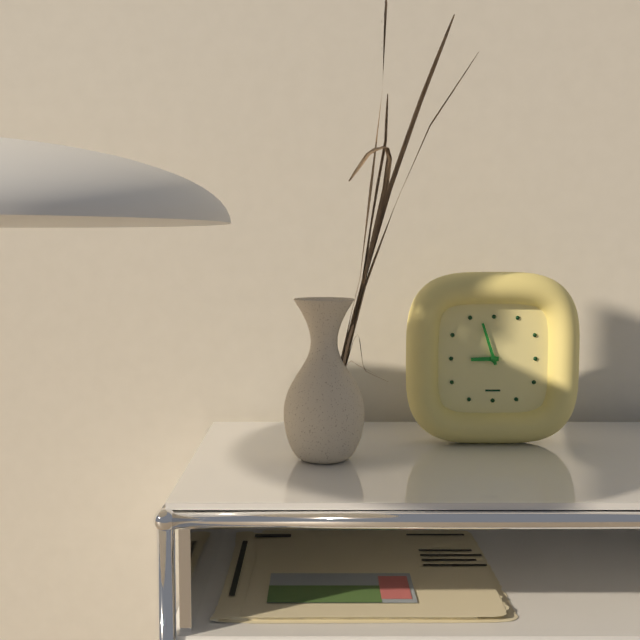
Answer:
8h57
